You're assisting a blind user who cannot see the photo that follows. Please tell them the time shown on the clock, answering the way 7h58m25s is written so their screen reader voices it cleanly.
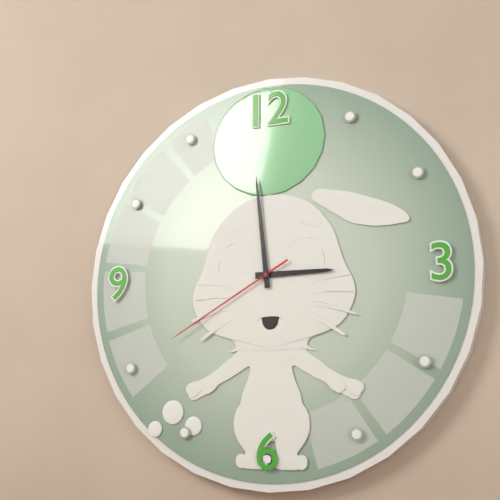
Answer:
2h59m40s
